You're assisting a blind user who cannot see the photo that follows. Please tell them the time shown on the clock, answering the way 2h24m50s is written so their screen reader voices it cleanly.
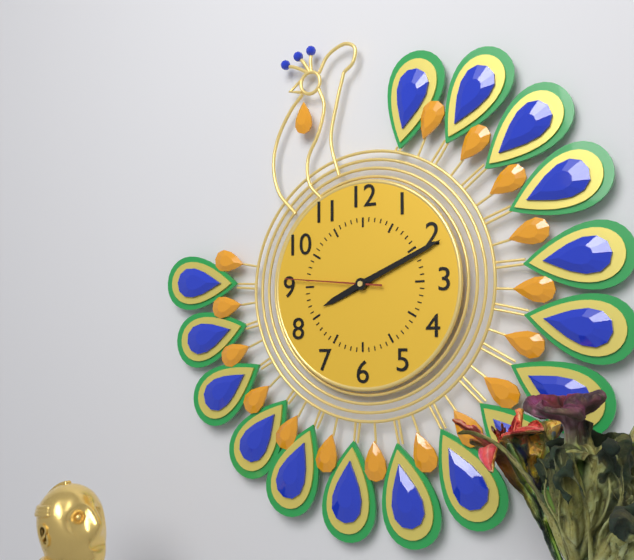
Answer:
8h11m46s
